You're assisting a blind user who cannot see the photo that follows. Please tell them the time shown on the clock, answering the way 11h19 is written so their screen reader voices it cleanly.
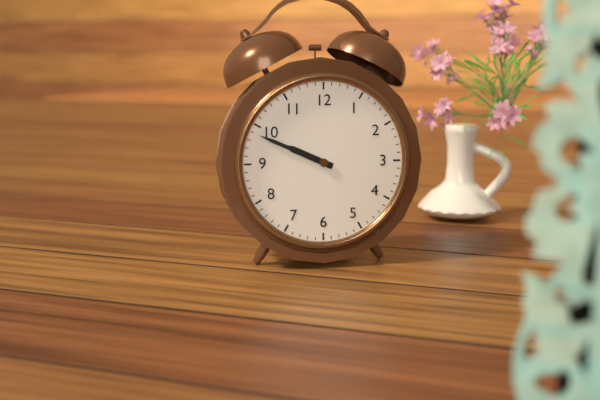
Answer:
9h49
